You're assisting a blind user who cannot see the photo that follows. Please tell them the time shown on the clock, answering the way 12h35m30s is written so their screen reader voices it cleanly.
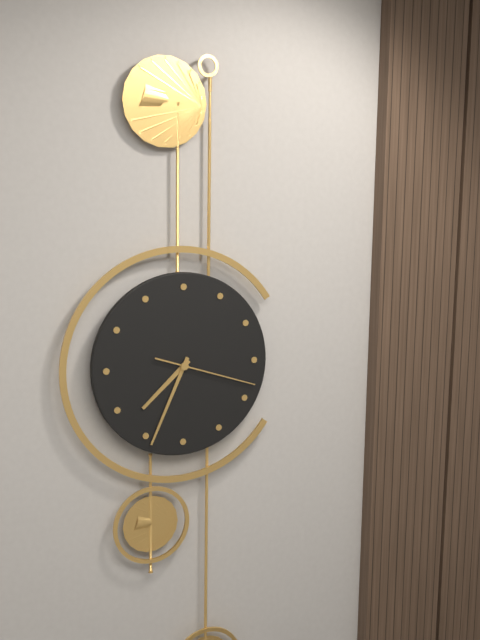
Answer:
7h34m18s
